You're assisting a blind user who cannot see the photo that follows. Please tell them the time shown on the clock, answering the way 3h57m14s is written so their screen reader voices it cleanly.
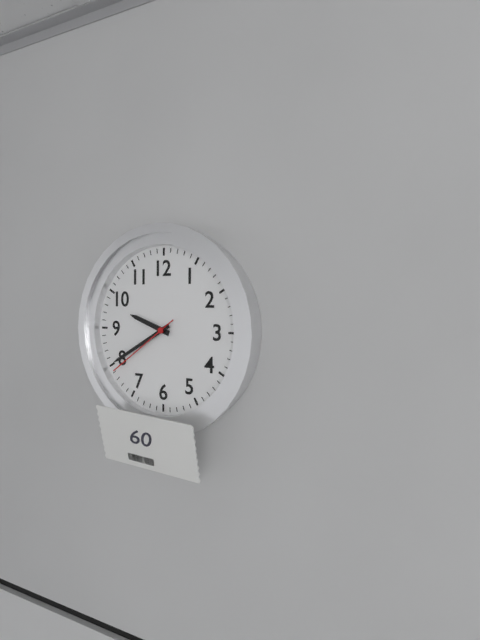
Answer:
9h40m39s
